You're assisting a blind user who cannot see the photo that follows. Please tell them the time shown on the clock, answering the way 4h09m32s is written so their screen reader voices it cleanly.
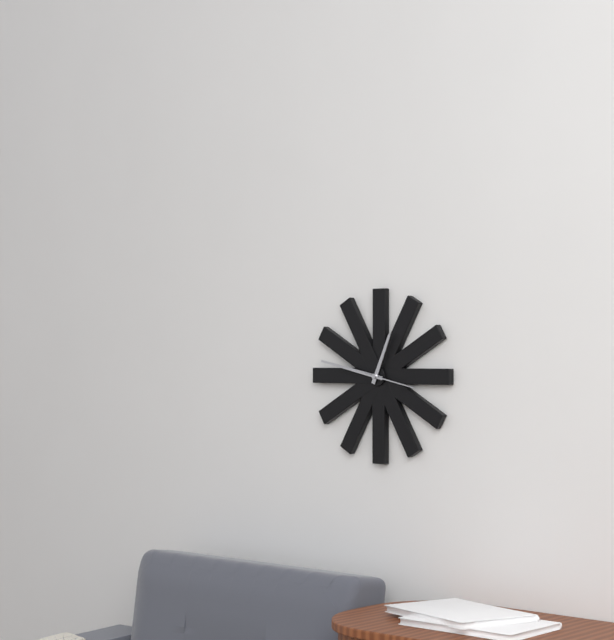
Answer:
12h47m17s
